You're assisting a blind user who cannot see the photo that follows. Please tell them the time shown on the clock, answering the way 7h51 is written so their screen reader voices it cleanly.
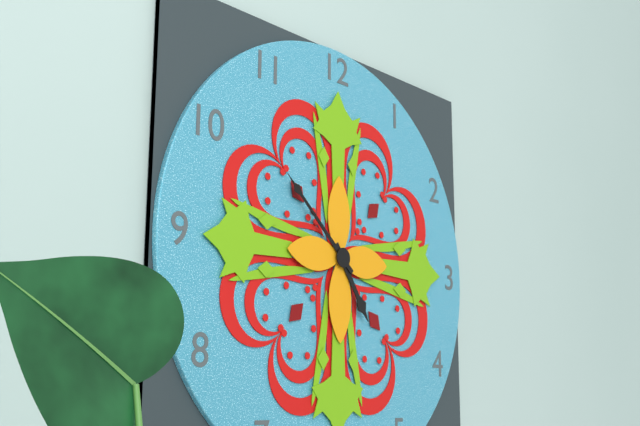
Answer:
4h52
